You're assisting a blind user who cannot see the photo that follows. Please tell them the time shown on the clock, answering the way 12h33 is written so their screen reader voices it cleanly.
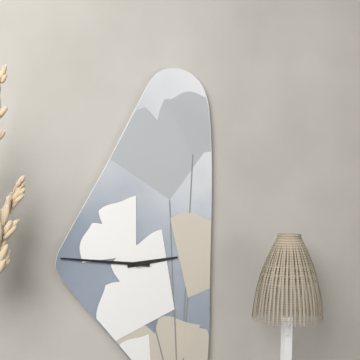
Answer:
2h46
